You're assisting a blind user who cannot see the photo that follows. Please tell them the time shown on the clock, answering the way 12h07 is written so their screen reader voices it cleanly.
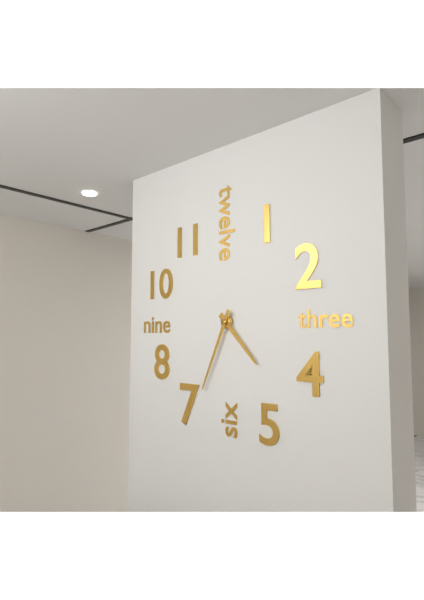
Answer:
4h34
